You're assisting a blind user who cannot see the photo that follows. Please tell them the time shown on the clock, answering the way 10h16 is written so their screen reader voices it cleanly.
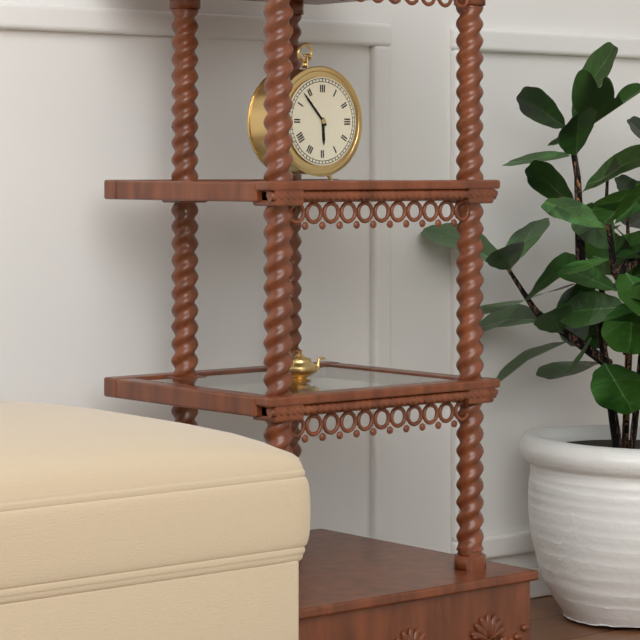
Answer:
5h53
